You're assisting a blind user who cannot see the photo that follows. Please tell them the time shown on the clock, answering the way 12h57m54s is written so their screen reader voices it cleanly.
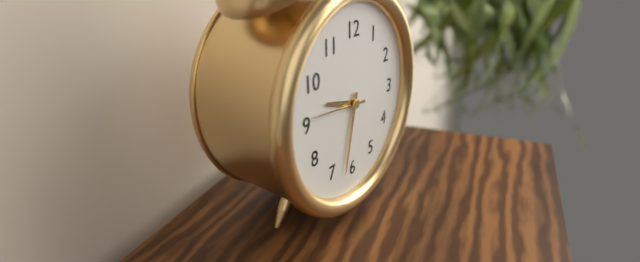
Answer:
9h32m46s
